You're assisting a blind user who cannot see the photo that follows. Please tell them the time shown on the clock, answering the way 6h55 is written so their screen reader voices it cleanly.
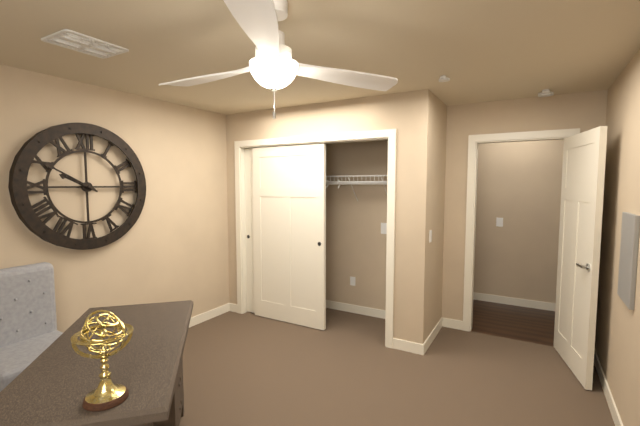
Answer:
9h50
